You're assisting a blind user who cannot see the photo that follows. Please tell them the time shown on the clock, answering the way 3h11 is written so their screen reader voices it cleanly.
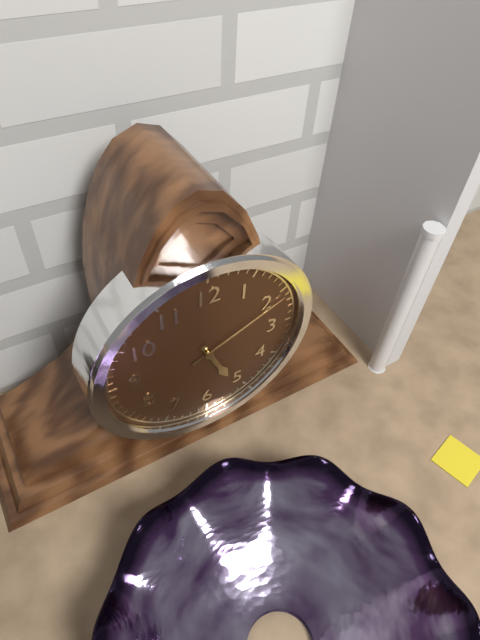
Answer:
5h11
